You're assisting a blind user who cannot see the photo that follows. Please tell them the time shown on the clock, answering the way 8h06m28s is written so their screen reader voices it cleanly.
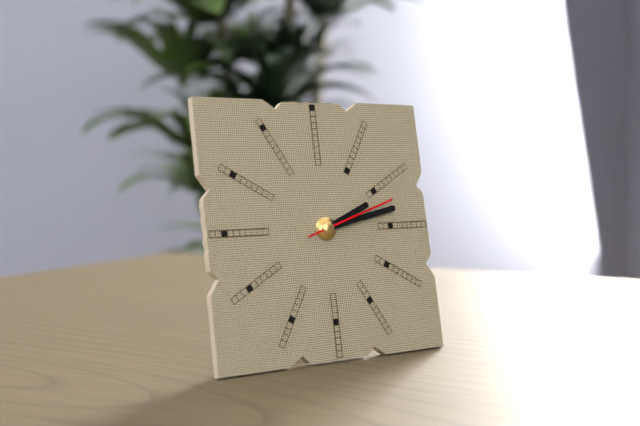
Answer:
2h13m12s
